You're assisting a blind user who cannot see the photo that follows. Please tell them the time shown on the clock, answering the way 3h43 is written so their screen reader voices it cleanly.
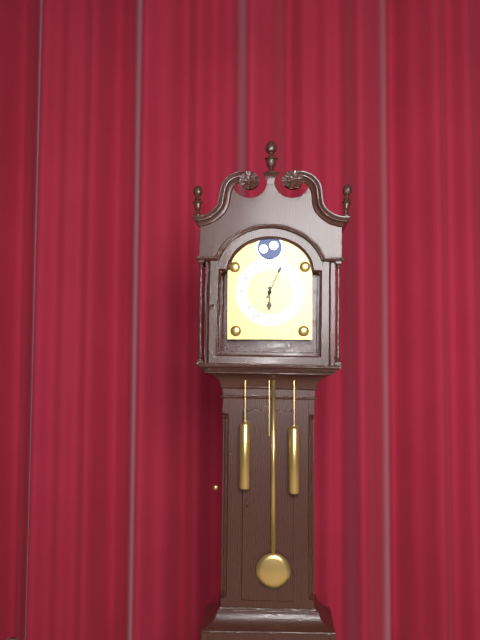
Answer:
6h04
